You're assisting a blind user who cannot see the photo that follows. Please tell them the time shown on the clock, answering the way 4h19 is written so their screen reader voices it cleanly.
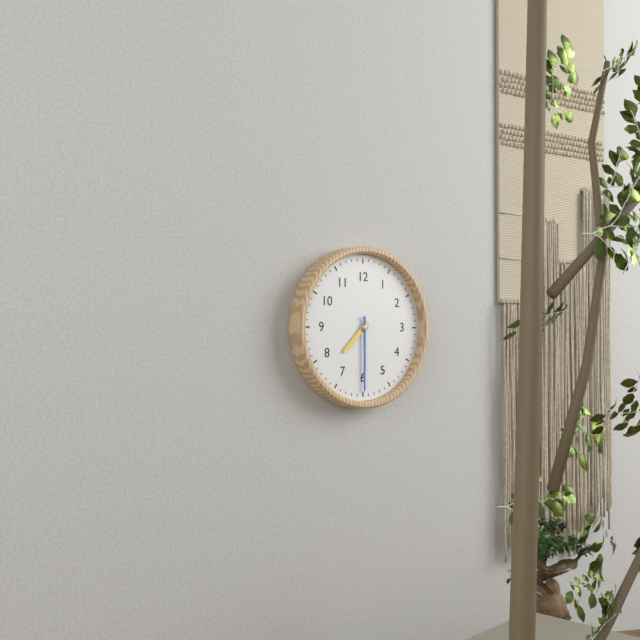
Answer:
7h30
